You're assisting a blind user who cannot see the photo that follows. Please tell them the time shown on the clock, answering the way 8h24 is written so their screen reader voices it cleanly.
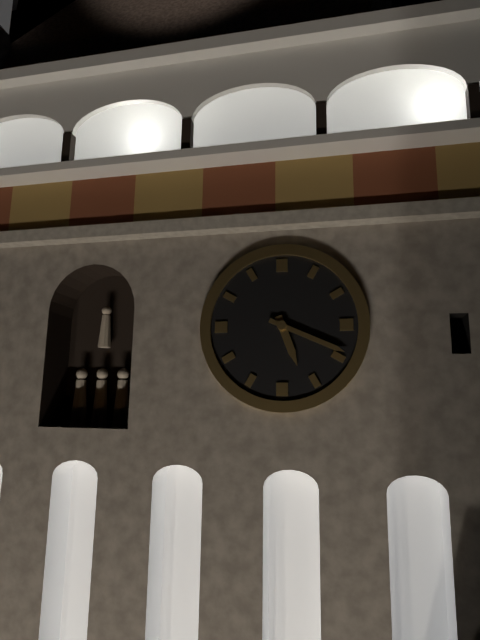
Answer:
5h19
